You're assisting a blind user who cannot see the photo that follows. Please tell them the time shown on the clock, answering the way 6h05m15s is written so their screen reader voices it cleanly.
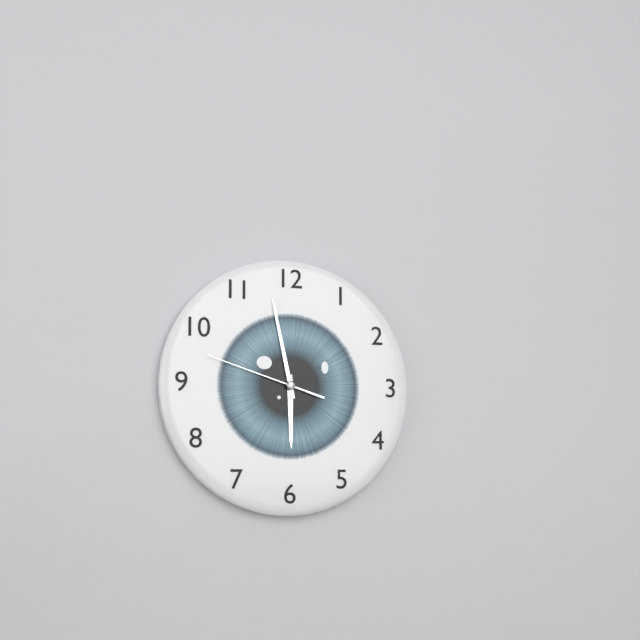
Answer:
5h58m48s
